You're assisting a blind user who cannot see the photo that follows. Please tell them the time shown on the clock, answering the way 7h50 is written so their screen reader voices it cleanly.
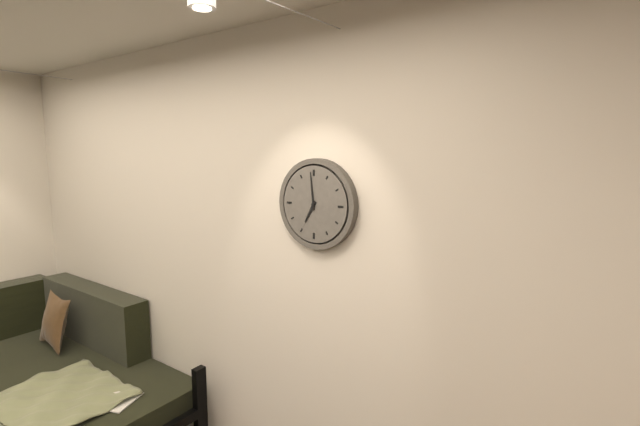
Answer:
6h59
